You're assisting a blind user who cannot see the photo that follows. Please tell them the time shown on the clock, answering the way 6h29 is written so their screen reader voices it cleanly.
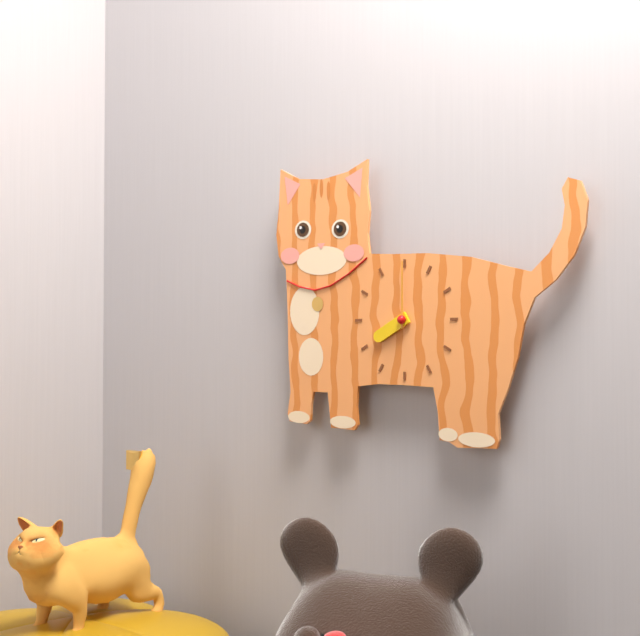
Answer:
8h00
